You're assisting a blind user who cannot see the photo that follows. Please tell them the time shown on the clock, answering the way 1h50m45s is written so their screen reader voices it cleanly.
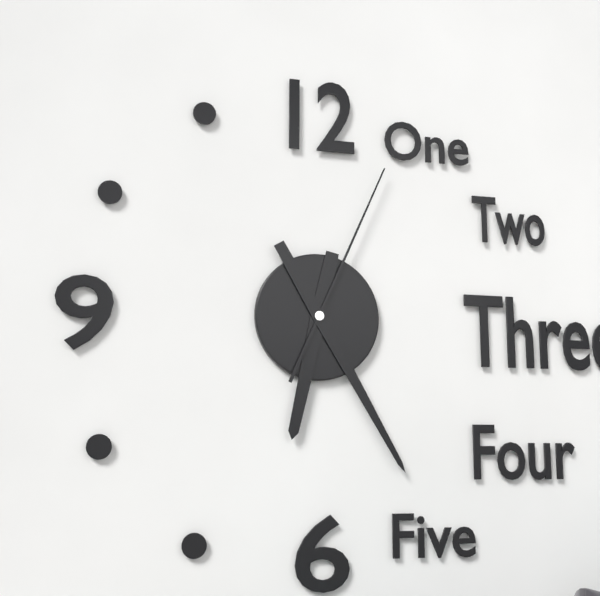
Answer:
6h25m04s
